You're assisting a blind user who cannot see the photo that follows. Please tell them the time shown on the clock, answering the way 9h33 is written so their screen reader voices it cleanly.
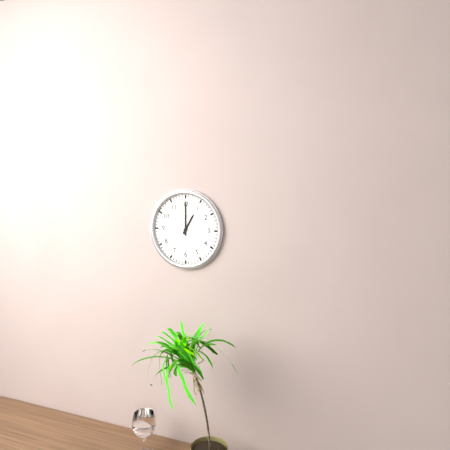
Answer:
1h00
